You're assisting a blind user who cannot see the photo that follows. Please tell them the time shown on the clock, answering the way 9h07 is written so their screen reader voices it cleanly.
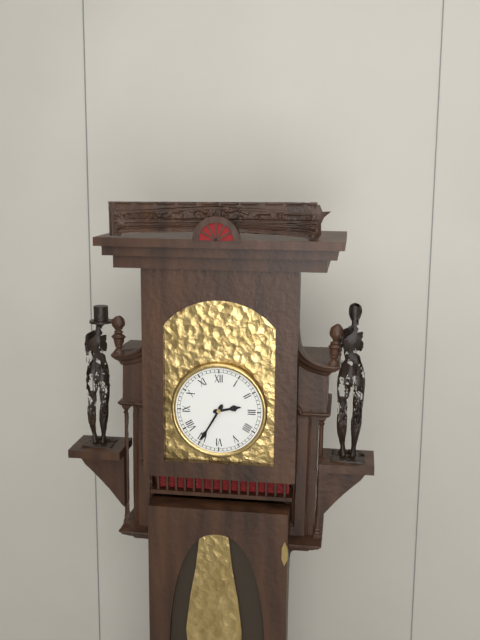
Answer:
2h35
